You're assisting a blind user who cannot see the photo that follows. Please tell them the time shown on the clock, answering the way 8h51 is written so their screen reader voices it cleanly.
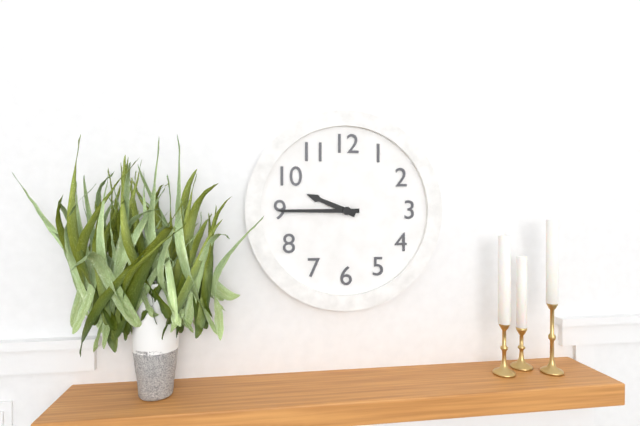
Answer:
9h45
